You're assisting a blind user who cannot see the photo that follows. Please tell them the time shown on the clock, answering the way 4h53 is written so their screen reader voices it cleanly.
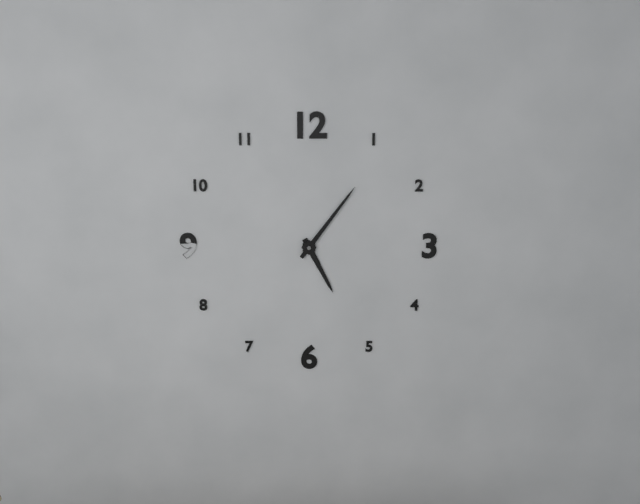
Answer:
5h06
